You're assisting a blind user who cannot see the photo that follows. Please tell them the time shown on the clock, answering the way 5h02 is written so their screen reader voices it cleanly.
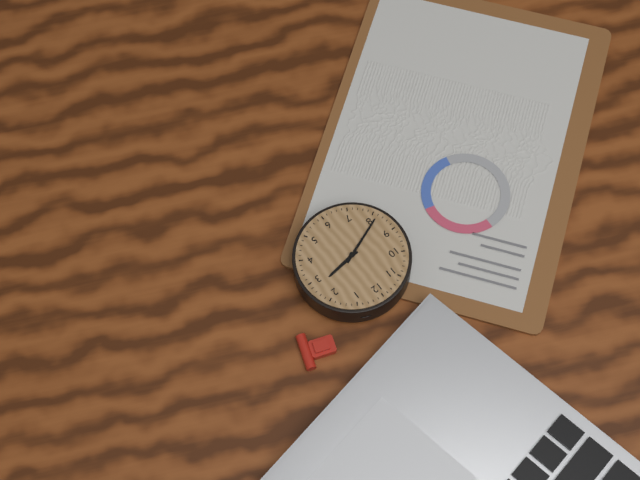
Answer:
2h41
